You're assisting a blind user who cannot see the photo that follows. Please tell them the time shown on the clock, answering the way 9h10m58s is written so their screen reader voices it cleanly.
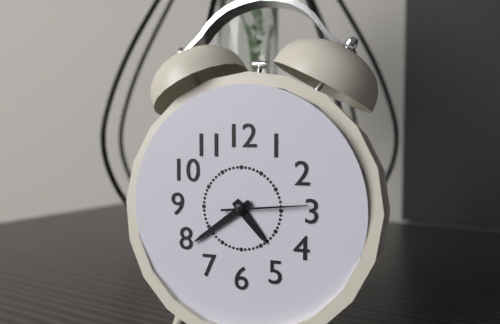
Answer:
4h39m14s
